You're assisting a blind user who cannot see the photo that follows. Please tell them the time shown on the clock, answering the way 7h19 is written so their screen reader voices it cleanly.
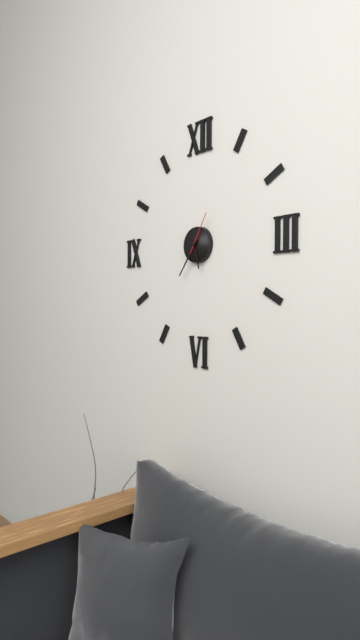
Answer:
5h36
